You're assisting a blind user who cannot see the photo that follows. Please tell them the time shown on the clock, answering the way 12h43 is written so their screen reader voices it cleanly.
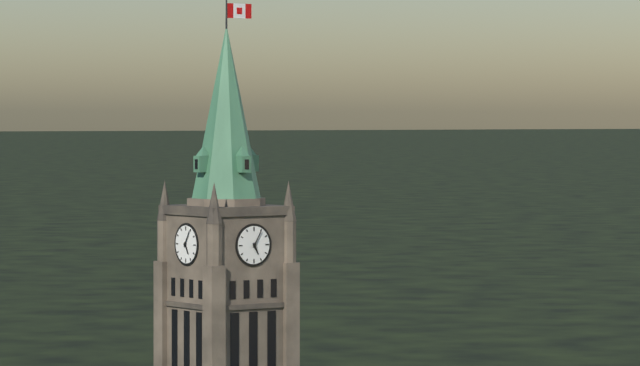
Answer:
5h05
